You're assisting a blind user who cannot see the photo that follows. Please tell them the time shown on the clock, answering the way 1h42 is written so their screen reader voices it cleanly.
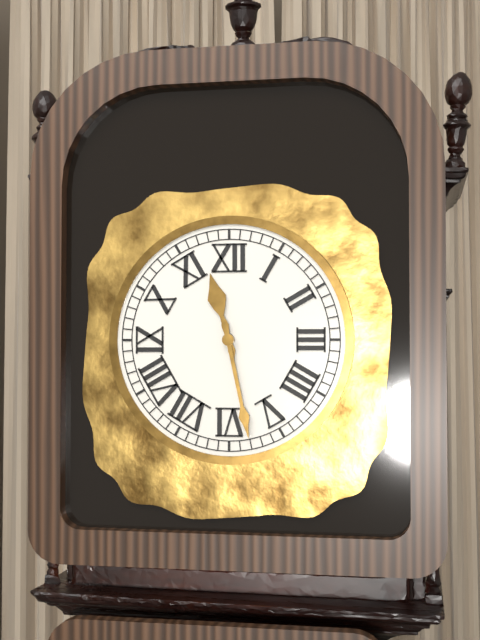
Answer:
11h28
